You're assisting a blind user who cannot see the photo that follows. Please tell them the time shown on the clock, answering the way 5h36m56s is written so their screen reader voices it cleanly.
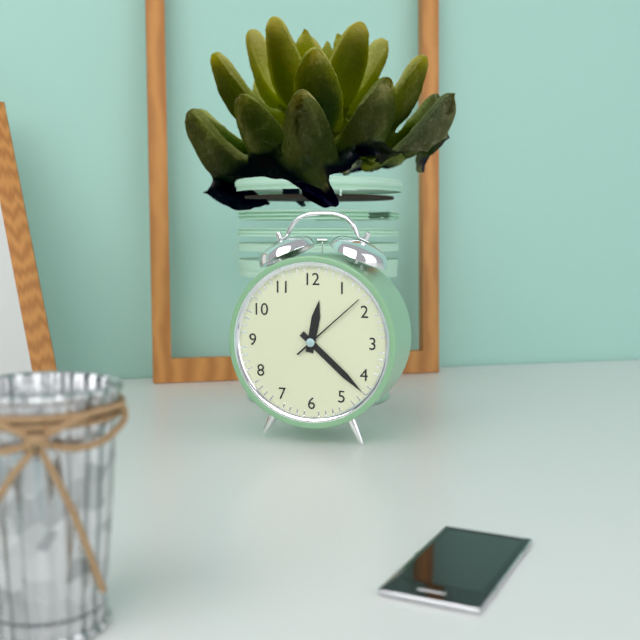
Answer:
12h22m08s
